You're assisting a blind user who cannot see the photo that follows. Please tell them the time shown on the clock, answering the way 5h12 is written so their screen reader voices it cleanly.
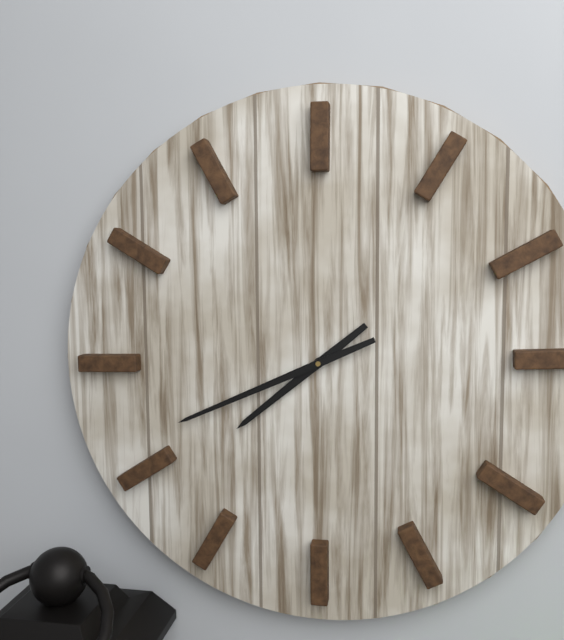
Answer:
7h41
